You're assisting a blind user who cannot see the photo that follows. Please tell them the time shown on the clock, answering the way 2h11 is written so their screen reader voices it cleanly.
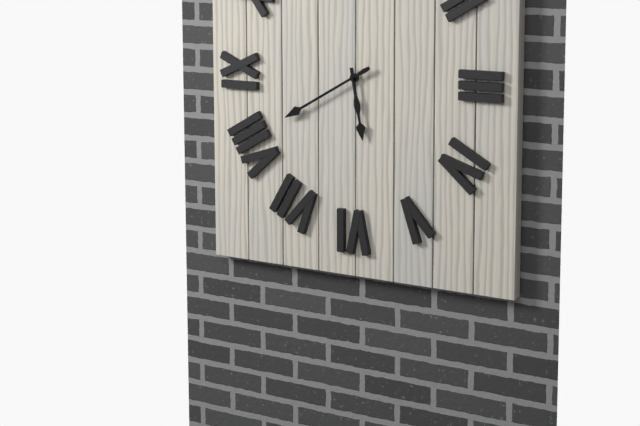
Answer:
5h40
